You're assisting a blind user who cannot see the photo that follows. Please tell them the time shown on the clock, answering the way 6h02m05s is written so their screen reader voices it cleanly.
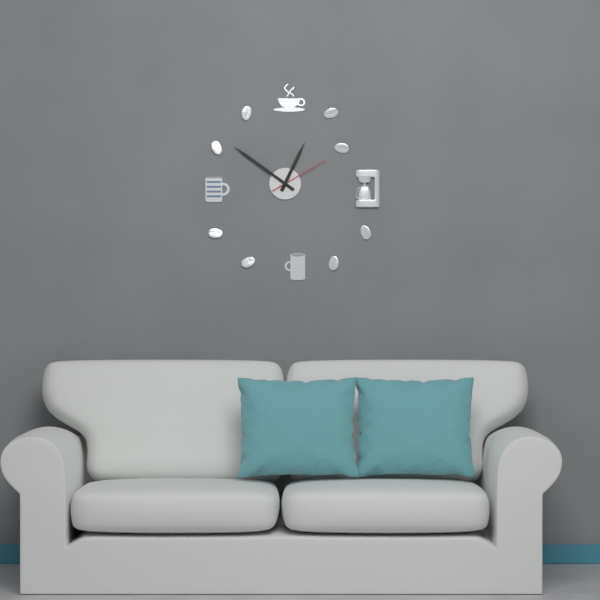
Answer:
12h51m10s
